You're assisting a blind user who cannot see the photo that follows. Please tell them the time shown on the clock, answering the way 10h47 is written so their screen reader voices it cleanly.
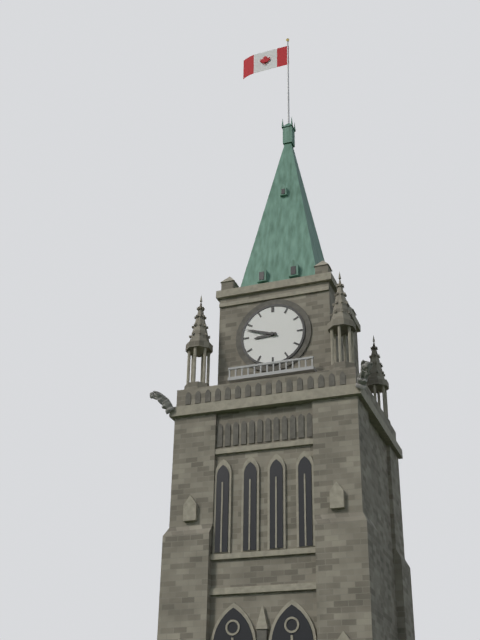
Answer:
8h48
